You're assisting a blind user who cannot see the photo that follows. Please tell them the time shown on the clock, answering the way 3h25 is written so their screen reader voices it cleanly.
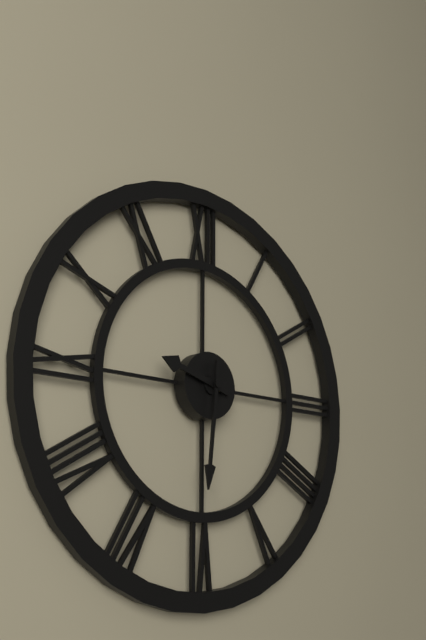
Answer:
9h31
